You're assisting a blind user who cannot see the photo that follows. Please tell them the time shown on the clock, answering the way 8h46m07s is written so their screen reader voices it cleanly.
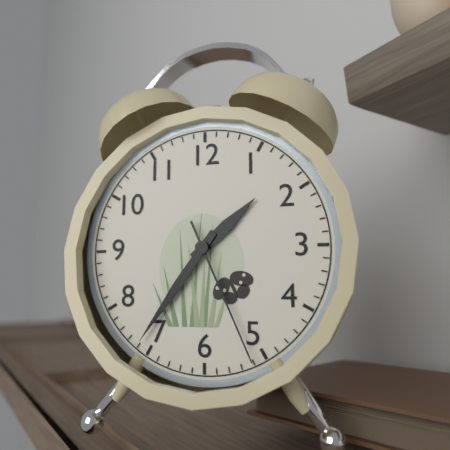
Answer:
1h36m26s
